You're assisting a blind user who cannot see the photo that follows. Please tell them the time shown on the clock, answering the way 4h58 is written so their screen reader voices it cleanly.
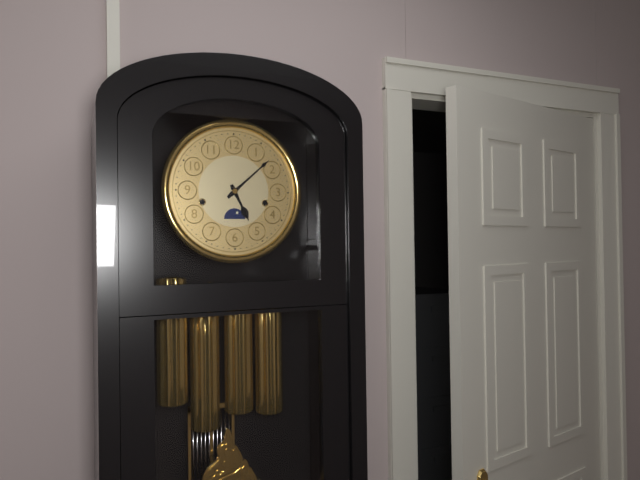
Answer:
5h08
